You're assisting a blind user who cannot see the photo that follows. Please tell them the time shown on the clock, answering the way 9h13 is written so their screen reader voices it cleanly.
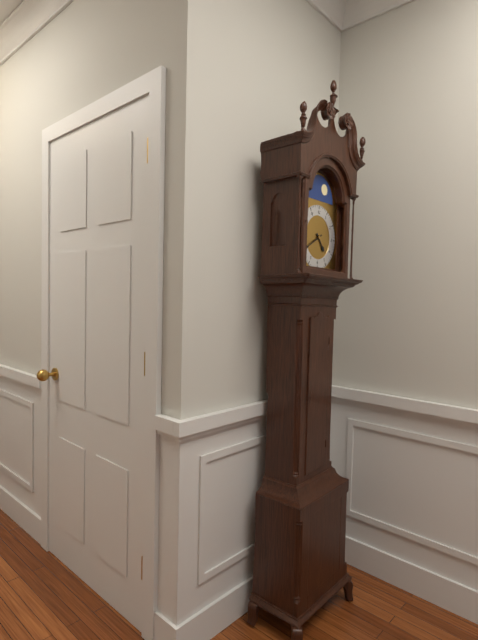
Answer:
4h40
